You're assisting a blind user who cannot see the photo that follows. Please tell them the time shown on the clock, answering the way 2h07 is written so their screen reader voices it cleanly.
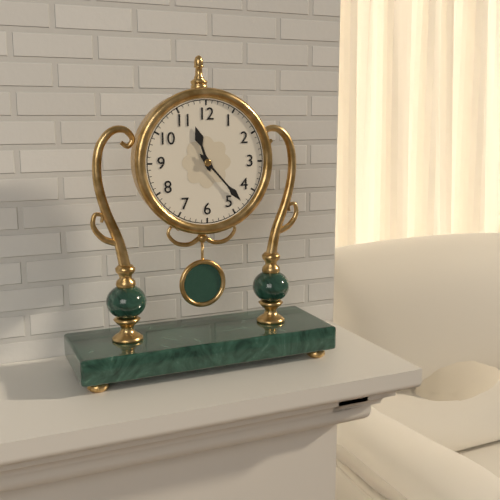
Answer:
11h23
